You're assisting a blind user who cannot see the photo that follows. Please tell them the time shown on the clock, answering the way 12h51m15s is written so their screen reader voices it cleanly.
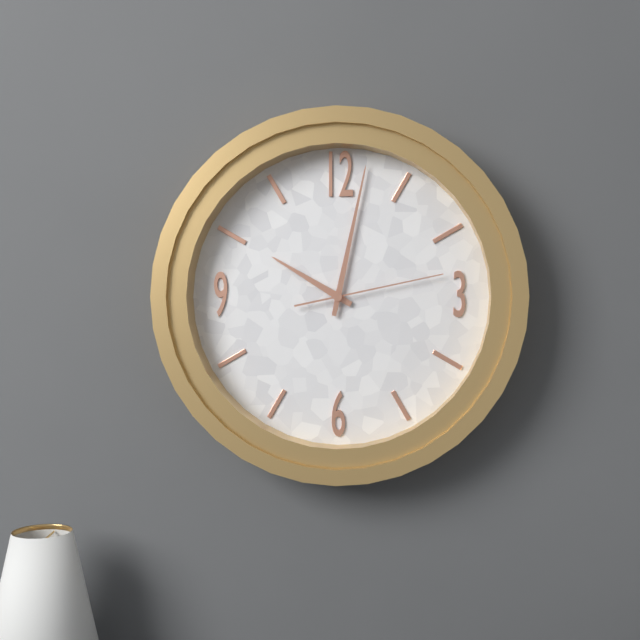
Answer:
10h02m13s
